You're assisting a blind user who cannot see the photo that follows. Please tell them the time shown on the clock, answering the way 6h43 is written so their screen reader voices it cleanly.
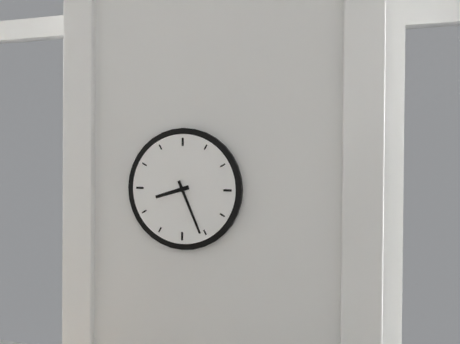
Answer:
8h26
